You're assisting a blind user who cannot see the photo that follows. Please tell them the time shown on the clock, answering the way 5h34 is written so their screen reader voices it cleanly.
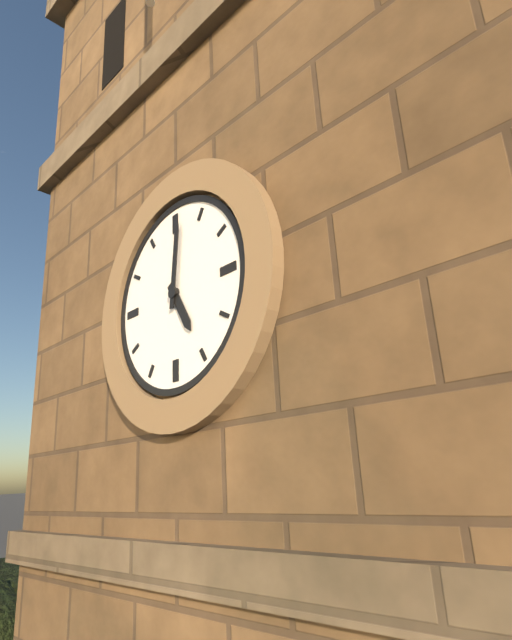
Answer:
5h01
